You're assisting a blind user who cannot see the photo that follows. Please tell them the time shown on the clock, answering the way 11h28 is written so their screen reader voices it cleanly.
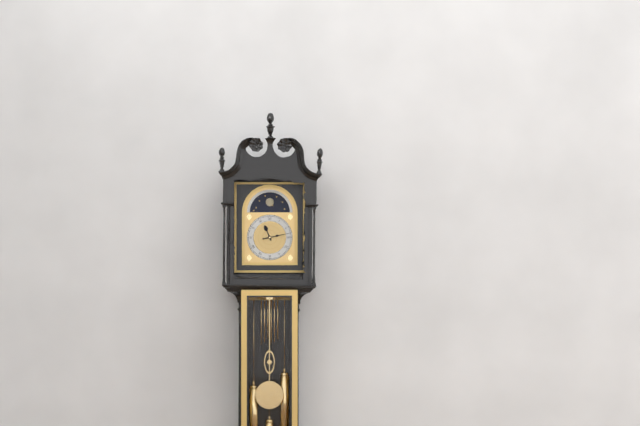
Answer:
11h13
